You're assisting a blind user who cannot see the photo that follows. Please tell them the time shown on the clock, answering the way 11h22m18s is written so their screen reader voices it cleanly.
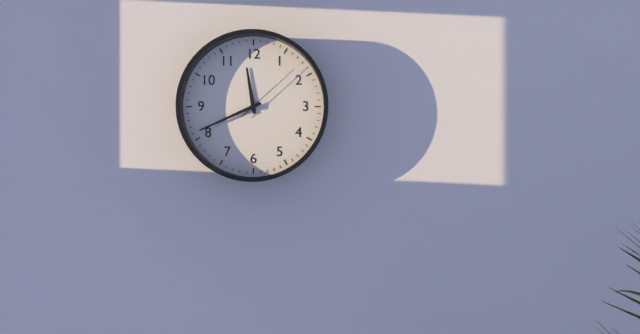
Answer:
11h41m08s
